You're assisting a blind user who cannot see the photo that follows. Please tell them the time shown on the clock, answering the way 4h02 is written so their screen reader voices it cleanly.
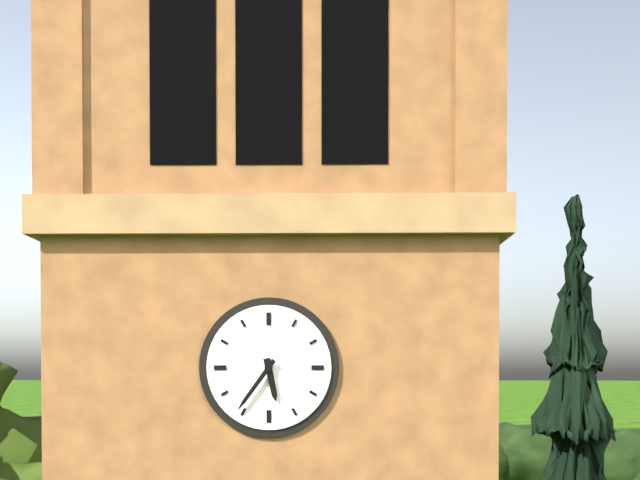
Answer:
5h36
